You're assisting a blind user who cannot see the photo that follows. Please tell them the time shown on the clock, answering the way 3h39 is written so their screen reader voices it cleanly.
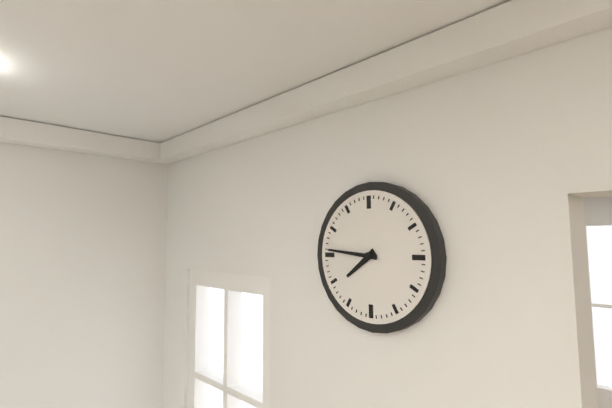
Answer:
7h46
